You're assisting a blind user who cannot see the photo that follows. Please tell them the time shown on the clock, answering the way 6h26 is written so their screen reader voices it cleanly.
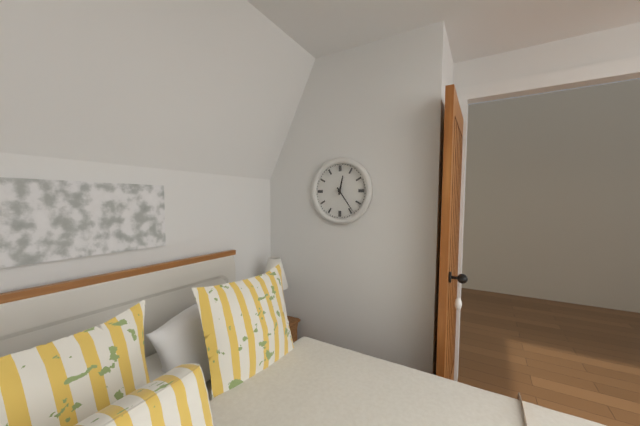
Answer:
12h24
